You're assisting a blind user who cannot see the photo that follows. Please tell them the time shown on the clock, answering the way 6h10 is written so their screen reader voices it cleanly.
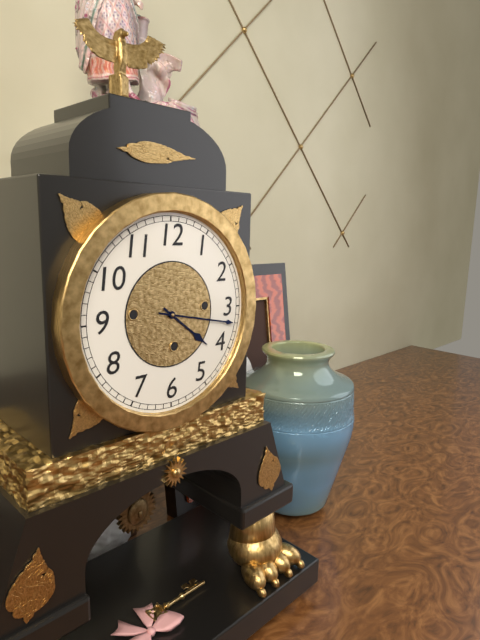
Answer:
4h17
